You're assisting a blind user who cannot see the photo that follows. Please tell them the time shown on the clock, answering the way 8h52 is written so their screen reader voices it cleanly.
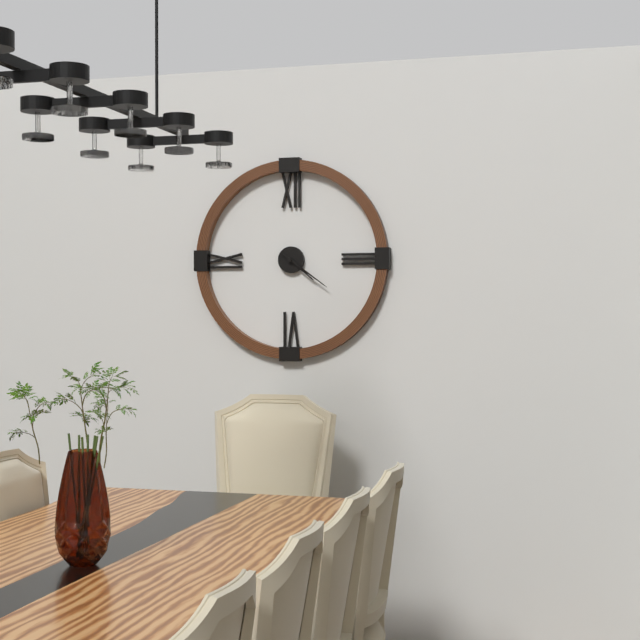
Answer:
4h21
